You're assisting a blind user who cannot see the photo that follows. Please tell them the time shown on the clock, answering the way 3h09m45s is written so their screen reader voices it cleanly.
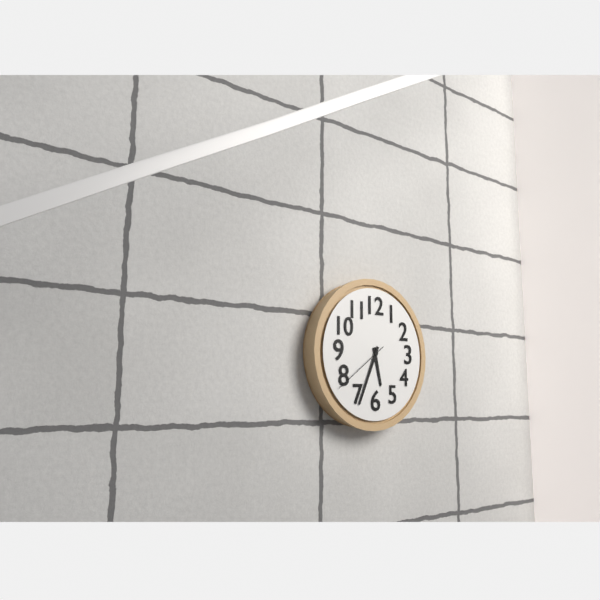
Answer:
5h34m39s
